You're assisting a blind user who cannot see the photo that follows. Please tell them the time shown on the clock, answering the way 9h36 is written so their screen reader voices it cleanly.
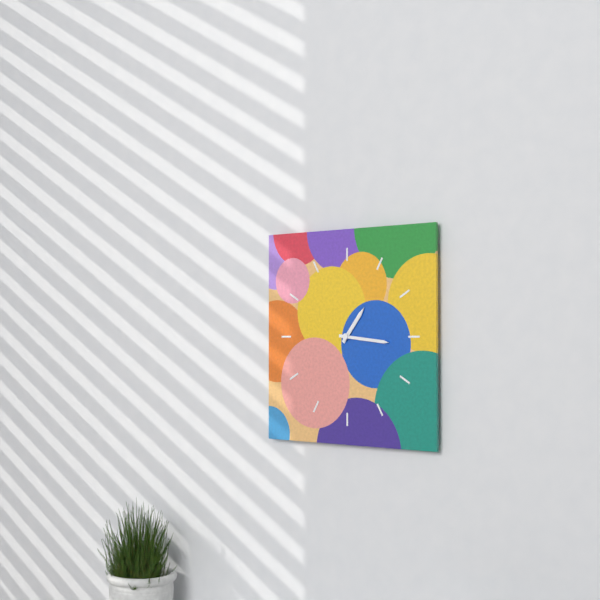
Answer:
1h16
